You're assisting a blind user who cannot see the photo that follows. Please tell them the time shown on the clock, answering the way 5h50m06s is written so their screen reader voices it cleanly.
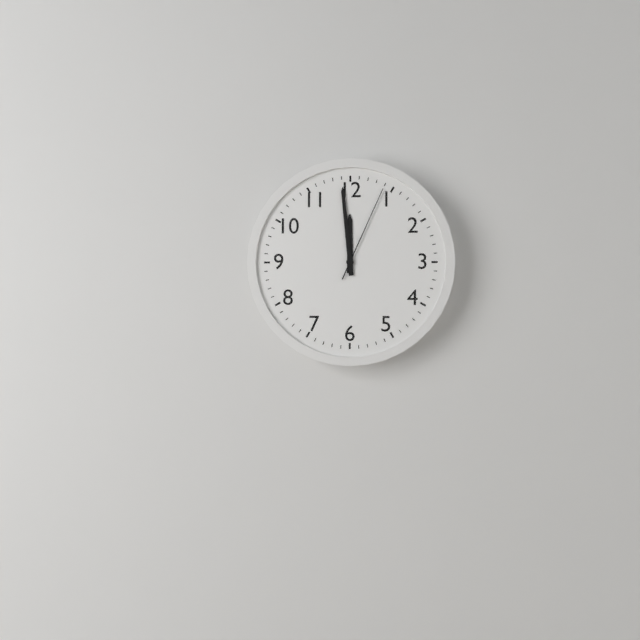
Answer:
11h59m04s
